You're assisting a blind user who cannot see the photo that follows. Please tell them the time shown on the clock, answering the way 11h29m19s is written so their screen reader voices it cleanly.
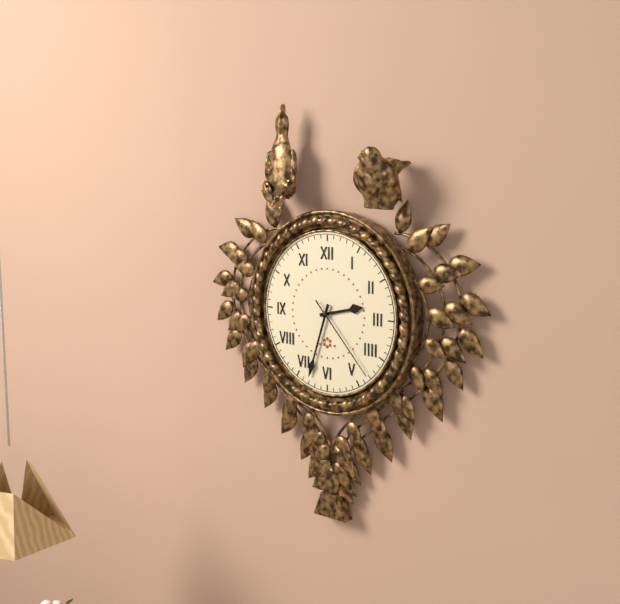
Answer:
2h33m23s
